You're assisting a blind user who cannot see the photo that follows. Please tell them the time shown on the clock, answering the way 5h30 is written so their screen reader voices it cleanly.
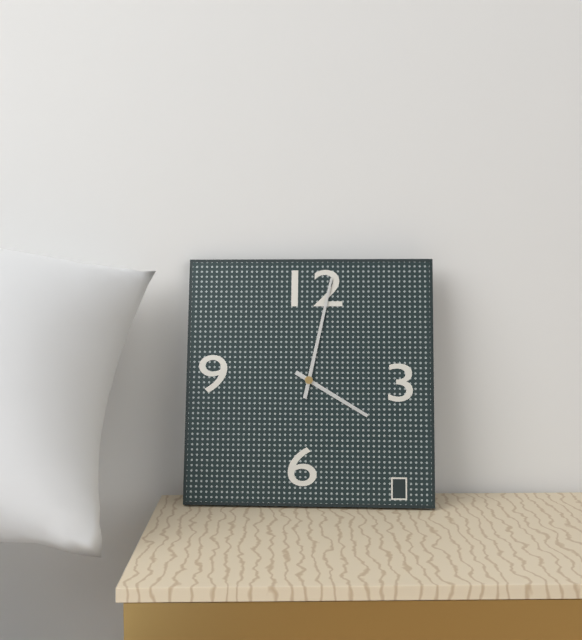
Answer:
4h02
